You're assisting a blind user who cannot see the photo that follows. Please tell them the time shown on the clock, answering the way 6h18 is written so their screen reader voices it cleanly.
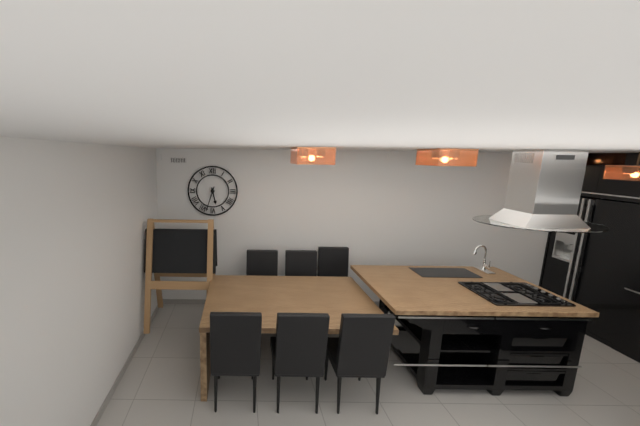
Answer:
5h33
